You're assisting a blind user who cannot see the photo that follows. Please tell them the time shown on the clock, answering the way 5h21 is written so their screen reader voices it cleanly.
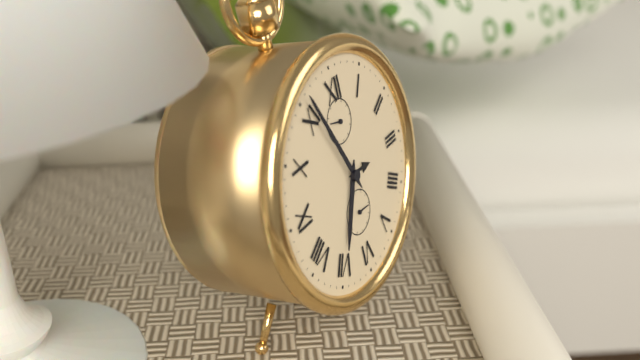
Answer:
6h56
